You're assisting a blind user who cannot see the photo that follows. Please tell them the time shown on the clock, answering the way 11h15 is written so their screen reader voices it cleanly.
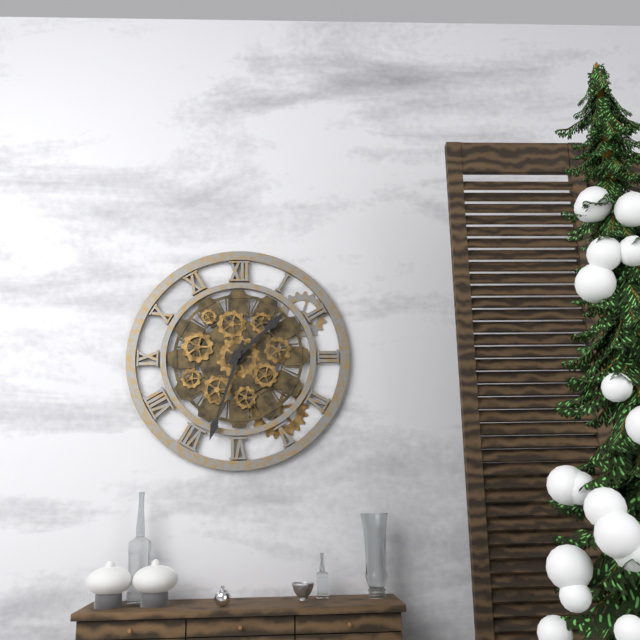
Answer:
1h33
